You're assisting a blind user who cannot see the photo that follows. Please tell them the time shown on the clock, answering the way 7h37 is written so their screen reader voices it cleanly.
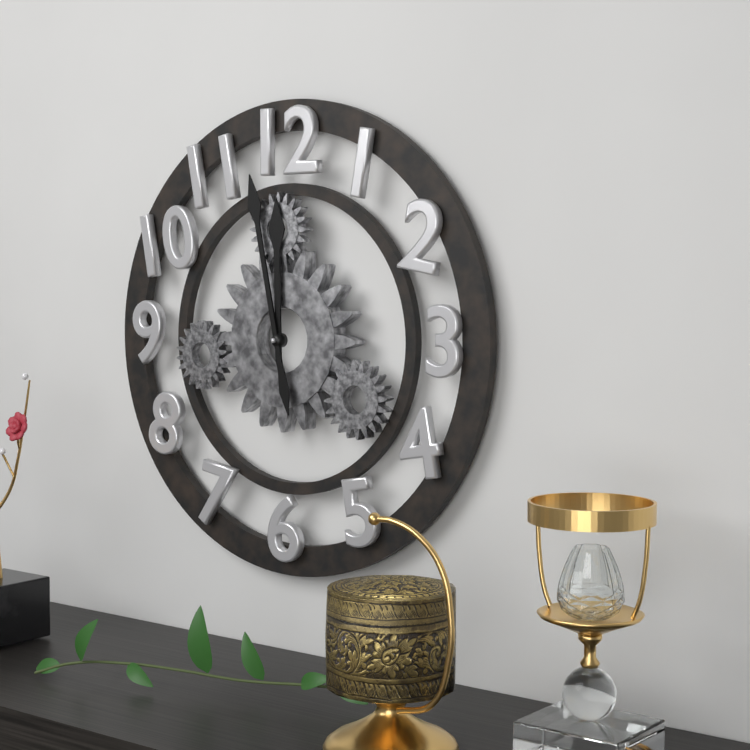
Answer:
11h58
